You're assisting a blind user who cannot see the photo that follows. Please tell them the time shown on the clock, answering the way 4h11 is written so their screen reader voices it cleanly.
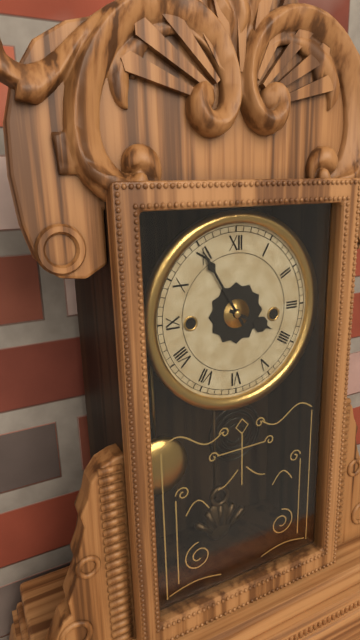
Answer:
3h55
